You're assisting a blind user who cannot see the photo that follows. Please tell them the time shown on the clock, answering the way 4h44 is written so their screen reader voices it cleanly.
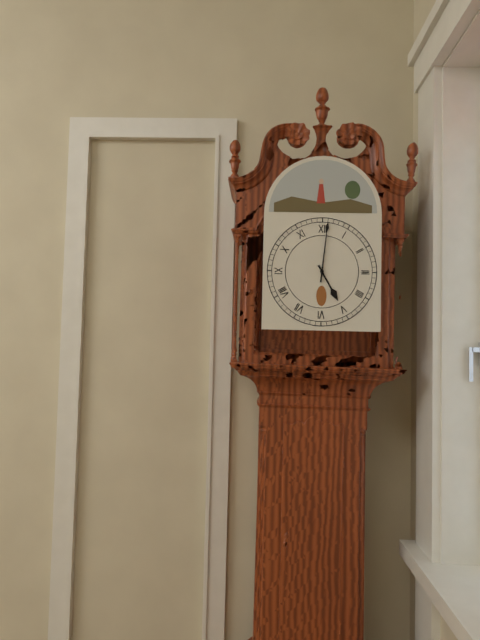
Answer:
5h01
